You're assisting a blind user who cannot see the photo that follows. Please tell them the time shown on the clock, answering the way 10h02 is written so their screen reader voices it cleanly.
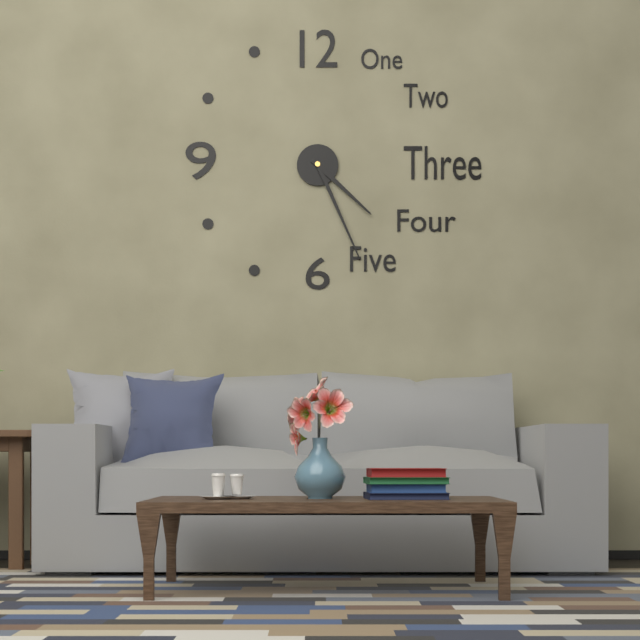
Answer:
4h26
